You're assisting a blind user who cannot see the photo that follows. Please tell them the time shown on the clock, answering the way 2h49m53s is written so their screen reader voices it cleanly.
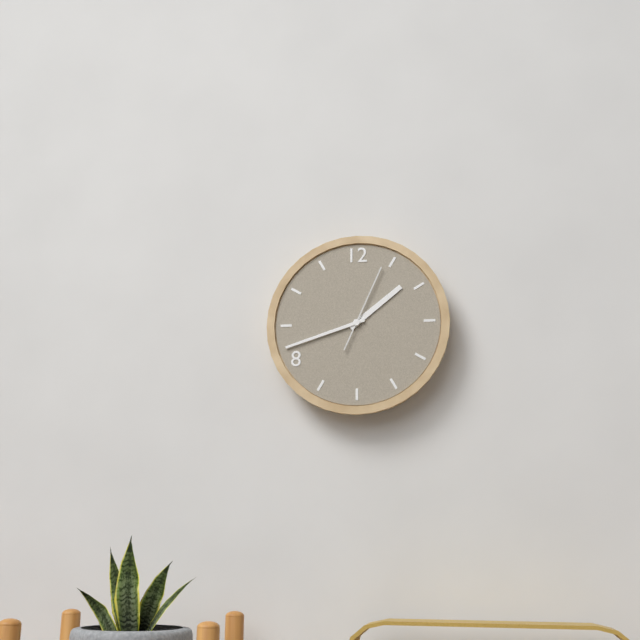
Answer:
1h42m04s
